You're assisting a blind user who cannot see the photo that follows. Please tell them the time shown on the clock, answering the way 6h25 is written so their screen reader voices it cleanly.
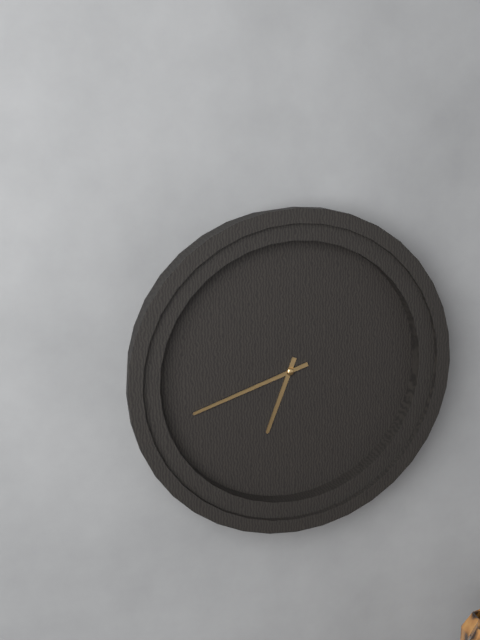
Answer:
6h42
